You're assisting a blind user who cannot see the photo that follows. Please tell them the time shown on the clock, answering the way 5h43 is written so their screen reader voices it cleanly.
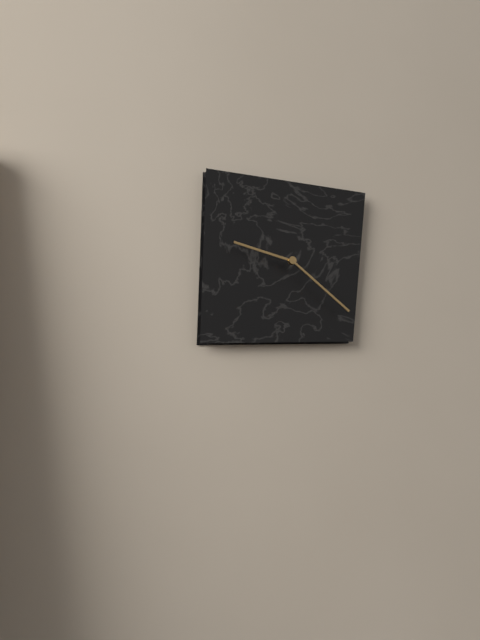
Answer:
9h21
